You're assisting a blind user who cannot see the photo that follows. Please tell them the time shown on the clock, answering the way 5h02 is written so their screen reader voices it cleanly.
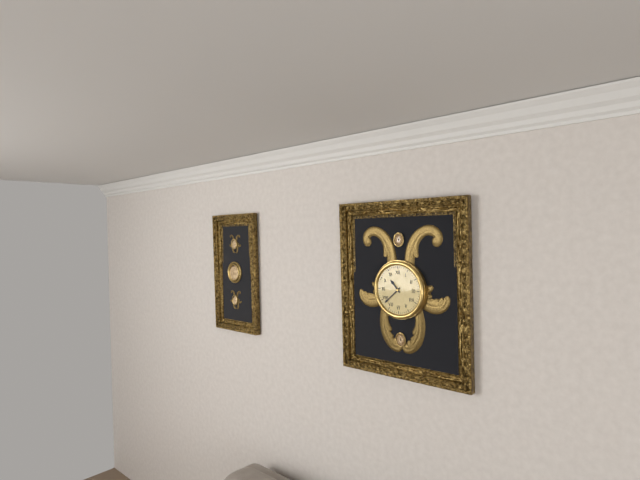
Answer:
10h38
